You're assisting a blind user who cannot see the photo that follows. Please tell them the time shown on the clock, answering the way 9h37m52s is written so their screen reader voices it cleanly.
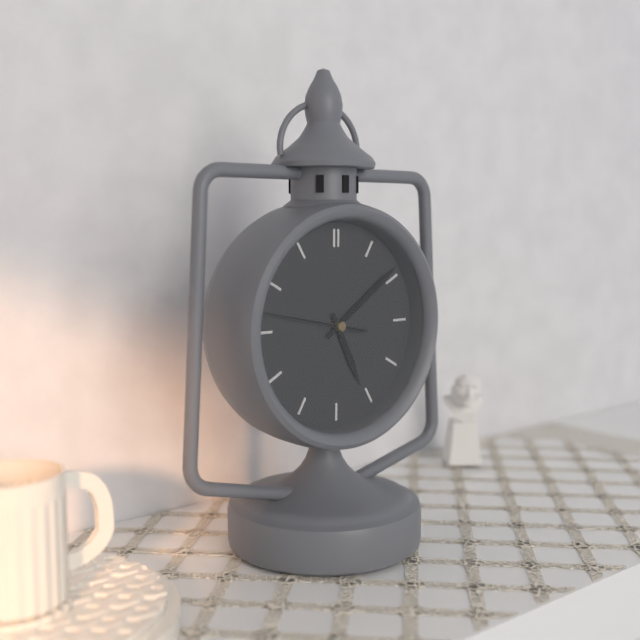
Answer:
5h09m47s
